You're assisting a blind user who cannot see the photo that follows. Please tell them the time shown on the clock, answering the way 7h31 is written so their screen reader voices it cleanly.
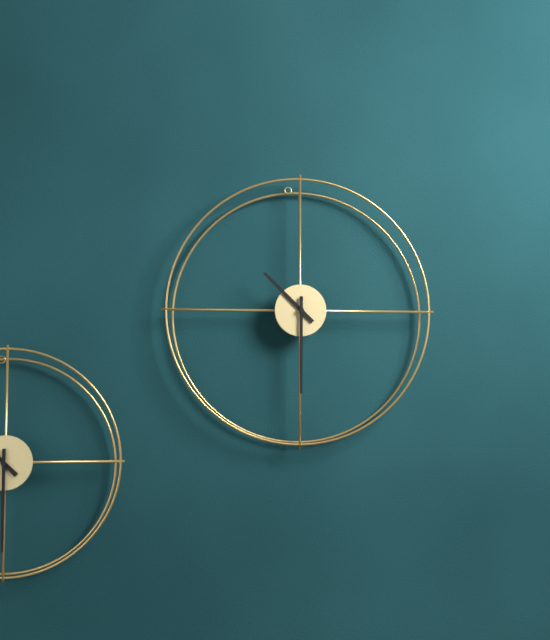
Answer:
10h30
